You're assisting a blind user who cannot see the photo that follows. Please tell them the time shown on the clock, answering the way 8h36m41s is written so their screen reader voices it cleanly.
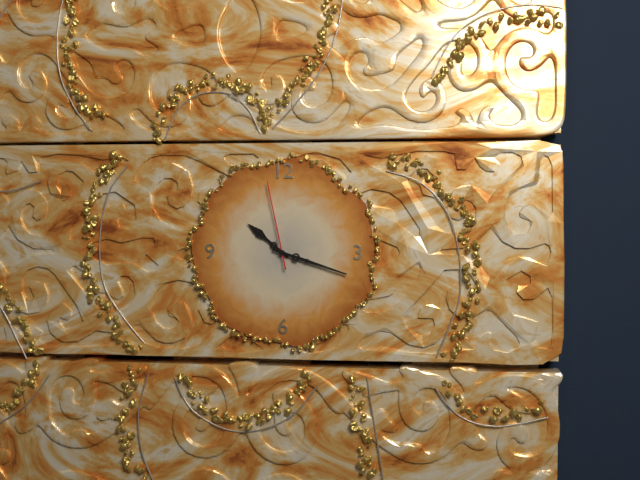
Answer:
10h18m58s
